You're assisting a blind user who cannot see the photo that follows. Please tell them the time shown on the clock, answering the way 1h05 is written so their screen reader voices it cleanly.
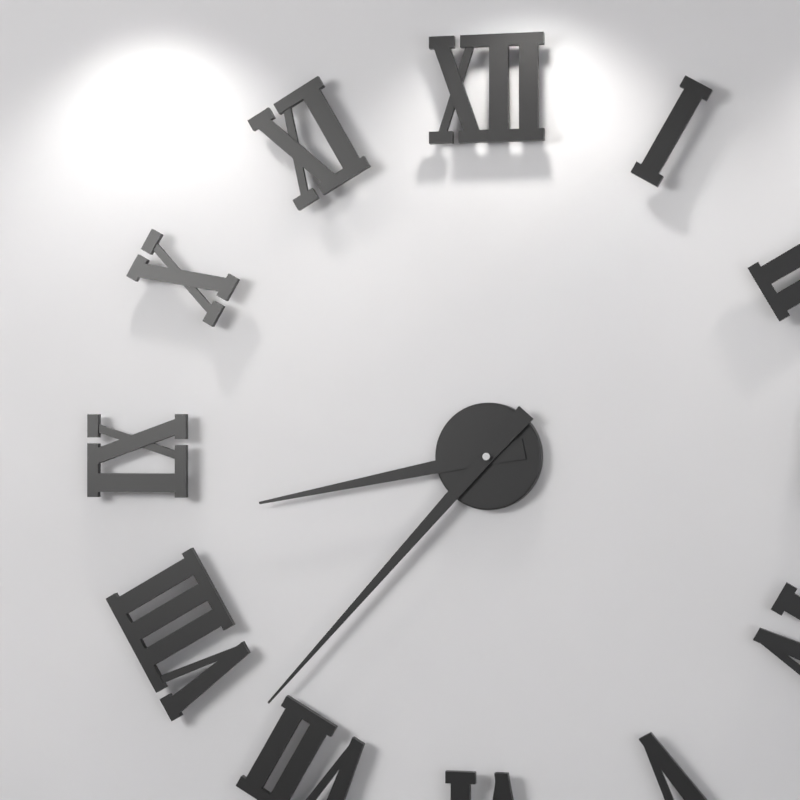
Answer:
8h37
